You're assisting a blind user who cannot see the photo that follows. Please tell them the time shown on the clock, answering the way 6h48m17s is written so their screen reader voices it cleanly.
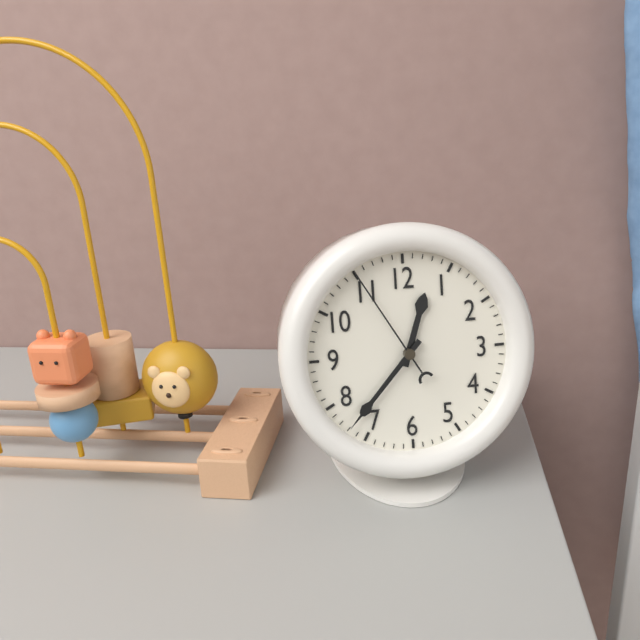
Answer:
12h37m55s
